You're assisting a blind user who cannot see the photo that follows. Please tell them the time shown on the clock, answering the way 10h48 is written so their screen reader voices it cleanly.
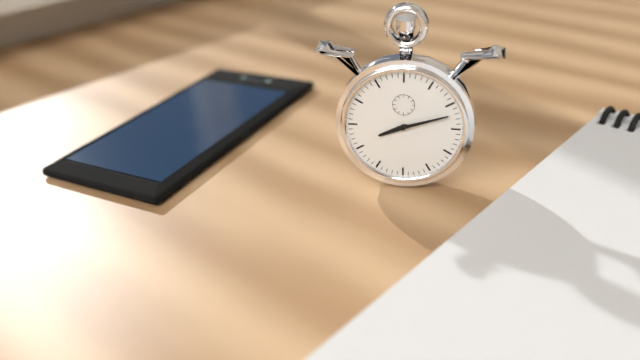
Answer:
8h12
